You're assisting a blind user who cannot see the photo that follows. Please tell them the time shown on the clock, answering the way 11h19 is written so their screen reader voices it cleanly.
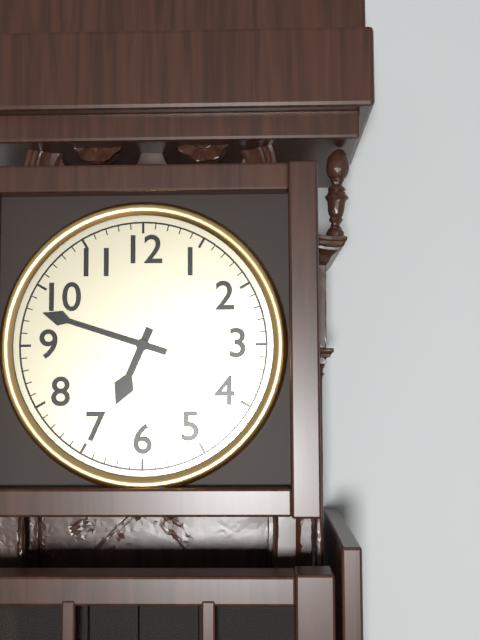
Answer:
6h48
